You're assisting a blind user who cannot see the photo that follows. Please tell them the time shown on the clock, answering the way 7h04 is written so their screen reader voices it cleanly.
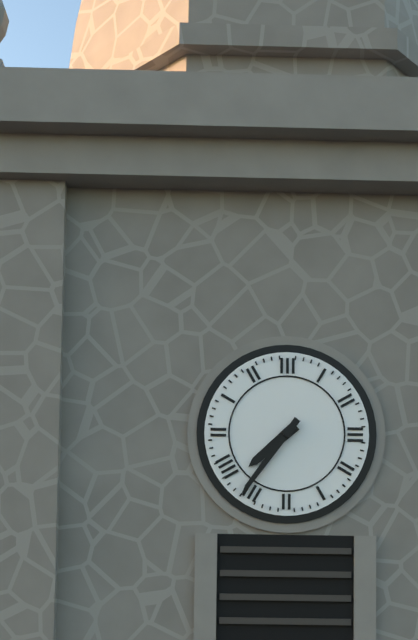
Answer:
7h36
